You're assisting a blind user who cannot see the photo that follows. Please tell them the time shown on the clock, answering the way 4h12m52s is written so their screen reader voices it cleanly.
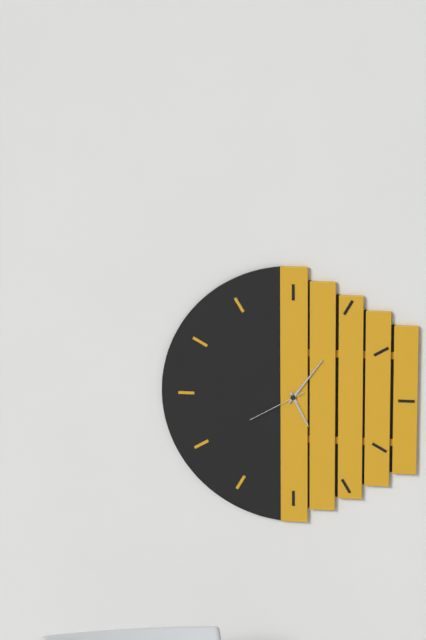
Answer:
5h06m40s
